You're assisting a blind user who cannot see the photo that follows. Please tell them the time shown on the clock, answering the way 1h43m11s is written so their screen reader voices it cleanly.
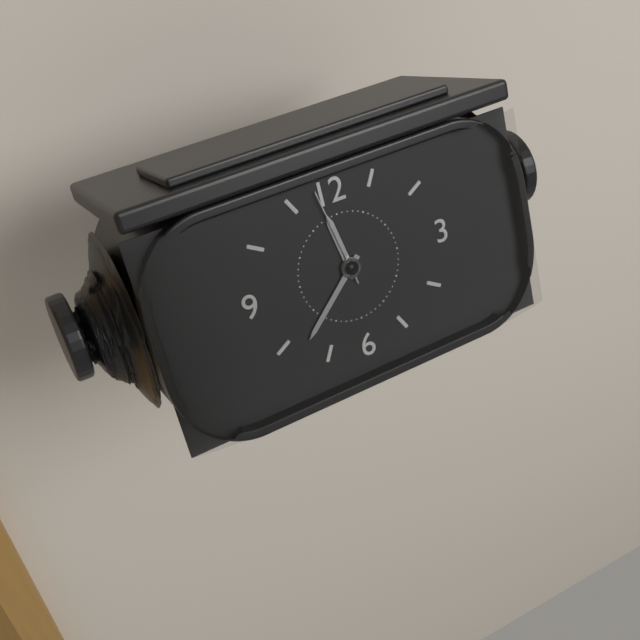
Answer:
11h38m58s
